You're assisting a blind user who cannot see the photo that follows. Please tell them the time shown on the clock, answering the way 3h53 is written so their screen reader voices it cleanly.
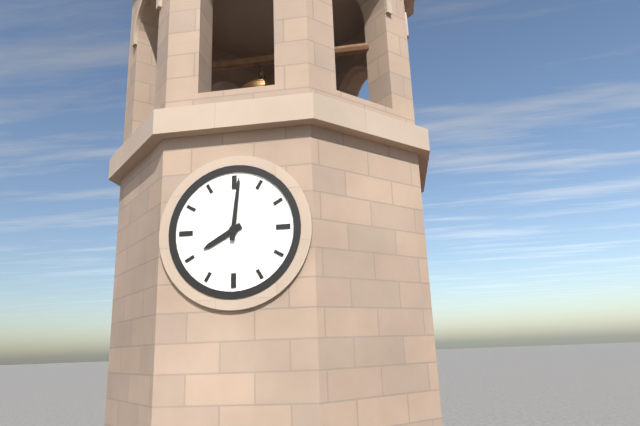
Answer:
8h01
